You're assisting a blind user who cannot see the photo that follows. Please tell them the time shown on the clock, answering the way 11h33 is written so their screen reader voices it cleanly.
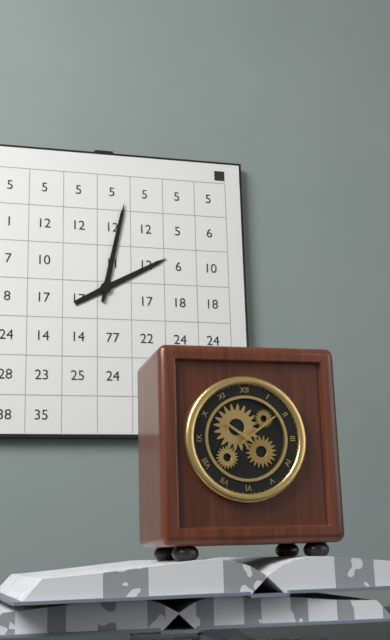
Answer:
2h02
